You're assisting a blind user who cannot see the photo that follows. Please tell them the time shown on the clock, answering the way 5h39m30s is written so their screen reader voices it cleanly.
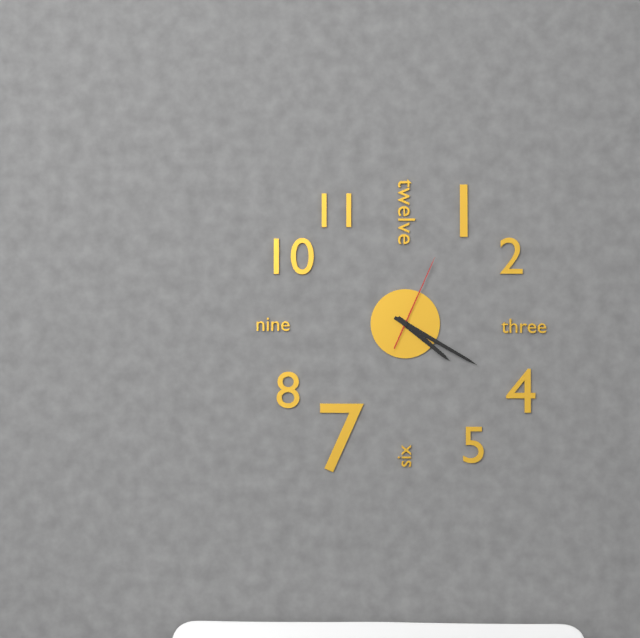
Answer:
4h20m04s
